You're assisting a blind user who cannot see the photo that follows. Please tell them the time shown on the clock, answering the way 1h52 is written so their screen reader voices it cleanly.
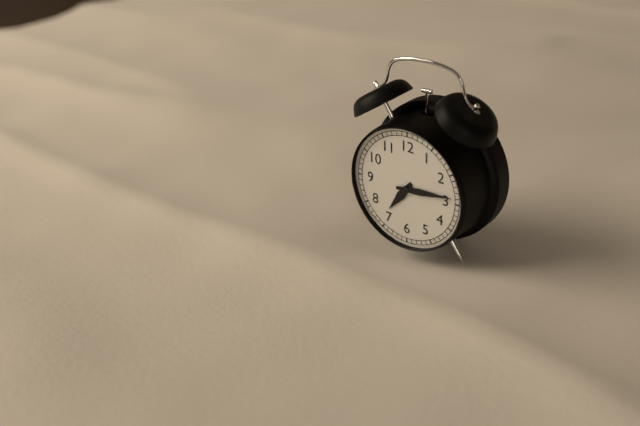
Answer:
7h14
